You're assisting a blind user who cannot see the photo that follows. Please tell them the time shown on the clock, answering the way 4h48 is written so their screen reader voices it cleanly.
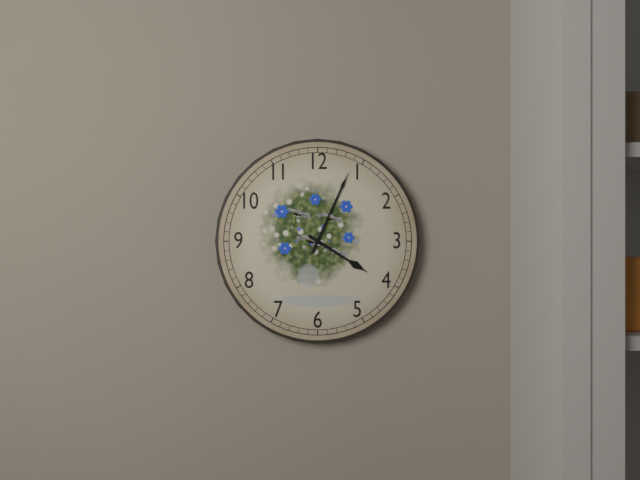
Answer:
4h04
